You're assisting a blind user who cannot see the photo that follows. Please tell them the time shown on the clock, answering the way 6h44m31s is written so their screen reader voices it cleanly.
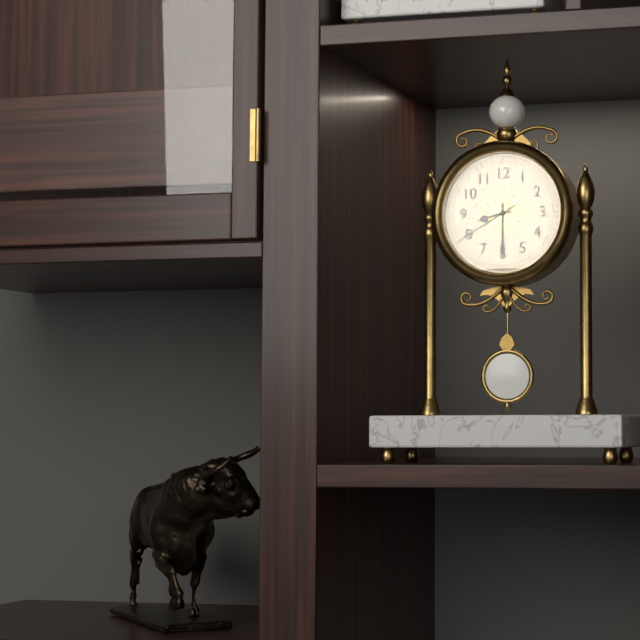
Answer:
8h30m40s
